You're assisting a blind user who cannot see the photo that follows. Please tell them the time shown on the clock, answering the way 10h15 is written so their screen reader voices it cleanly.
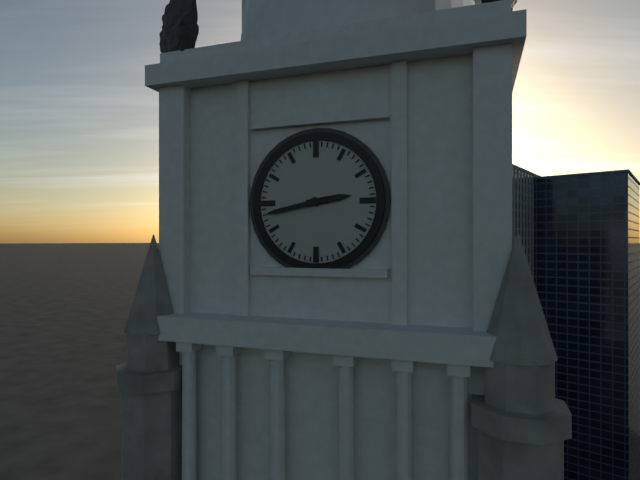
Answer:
2h43
